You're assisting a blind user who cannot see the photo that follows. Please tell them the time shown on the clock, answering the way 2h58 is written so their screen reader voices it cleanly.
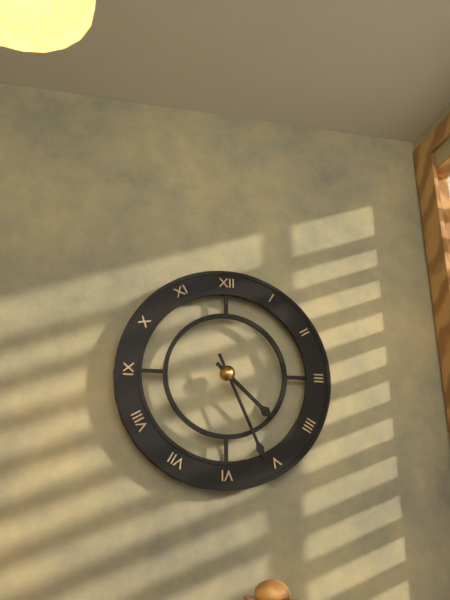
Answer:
4h26
